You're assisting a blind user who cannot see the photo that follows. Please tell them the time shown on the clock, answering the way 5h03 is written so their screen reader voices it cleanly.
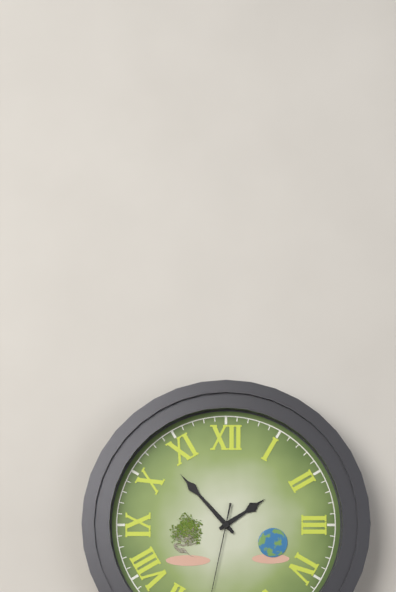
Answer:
1h53
